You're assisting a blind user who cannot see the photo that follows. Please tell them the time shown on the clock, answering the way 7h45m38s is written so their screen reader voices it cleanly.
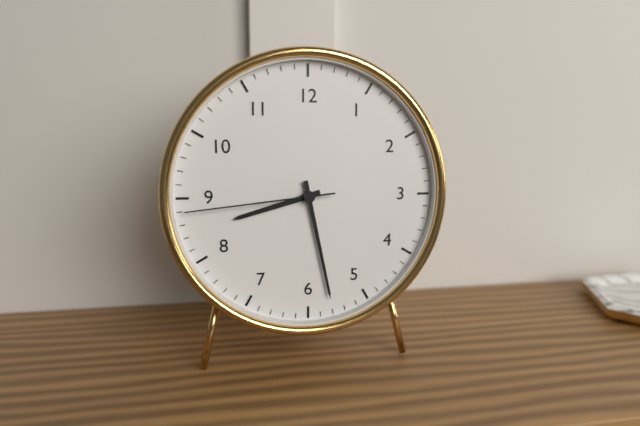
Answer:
8h28m44s
